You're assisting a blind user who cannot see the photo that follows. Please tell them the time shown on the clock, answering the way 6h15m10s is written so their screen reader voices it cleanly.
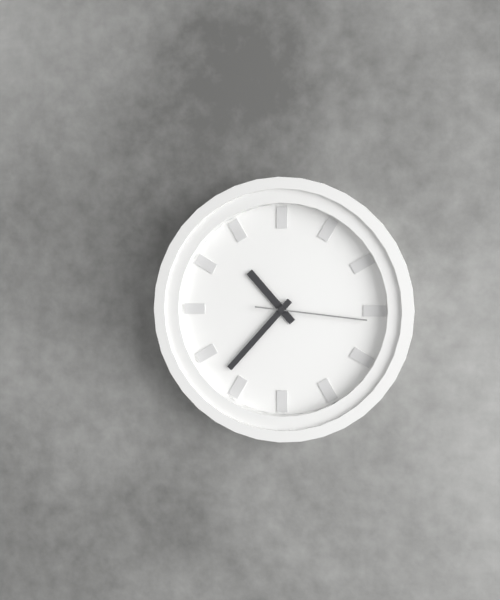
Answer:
10h37m16s
